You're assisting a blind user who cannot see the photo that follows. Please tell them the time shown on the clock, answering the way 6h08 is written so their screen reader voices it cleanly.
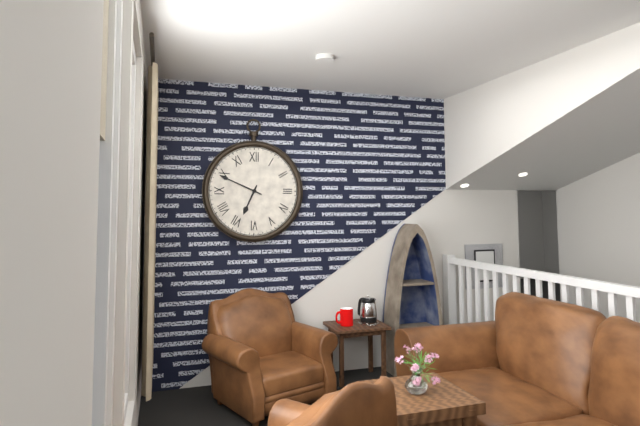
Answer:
6h49
